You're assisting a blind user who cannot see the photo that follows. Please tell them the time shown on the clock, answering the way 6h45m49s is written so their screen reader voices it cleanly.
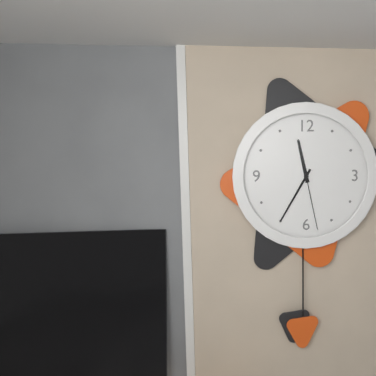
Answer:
11h35m28s
